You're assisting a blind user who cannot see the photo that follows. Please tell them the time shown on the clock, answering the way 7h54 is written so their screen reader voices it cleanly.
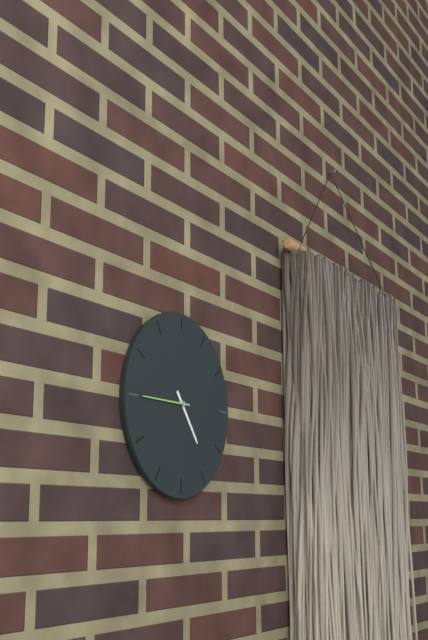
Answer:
4h45
